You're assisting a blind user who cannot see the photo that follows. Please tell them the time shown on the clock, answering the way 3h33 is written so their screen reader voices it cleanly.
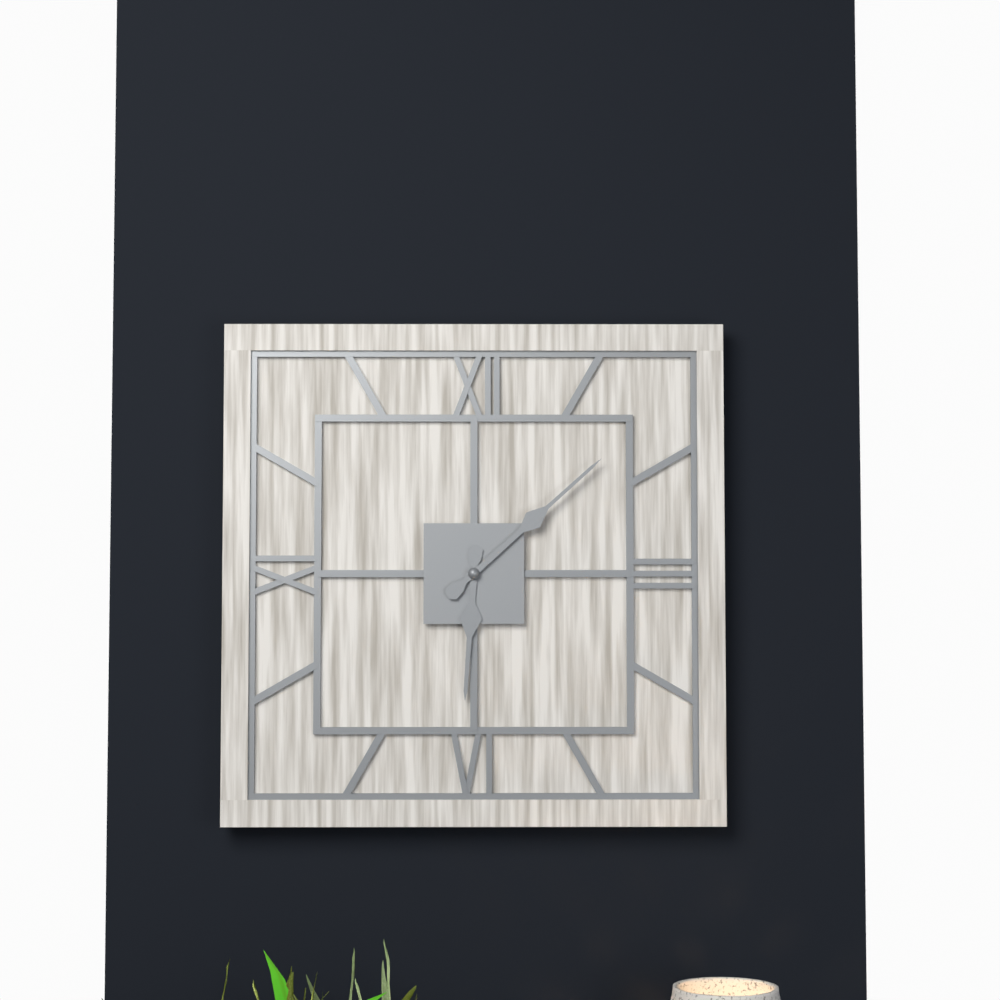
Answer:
6h08
